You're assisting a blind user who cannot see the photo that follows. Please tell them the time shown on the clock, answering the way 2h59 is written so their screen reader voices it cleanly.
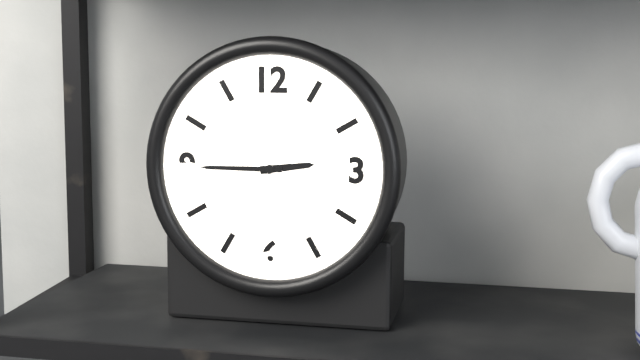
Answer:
2h45
